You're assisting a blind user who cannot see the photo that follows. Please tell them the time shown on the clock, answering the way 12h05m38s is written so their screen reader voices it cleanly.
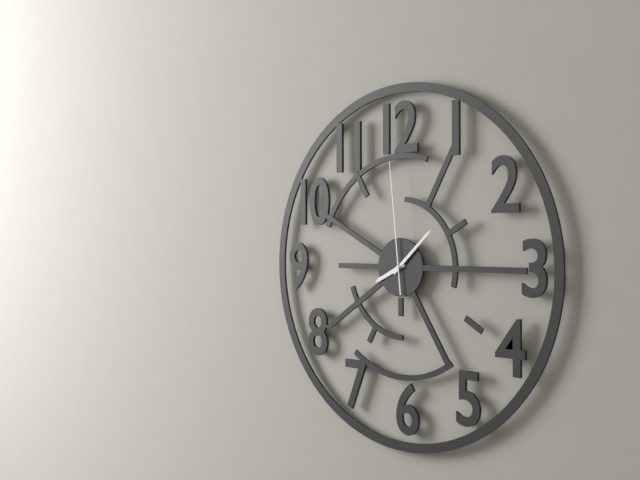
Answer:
8h08m59s
